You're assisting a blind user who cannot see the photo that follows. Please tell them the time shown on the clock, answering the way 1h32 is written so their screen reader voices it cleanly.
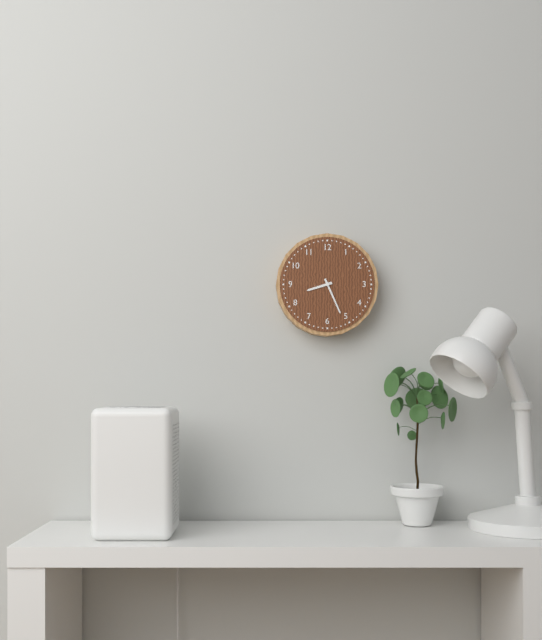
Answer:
8h26
